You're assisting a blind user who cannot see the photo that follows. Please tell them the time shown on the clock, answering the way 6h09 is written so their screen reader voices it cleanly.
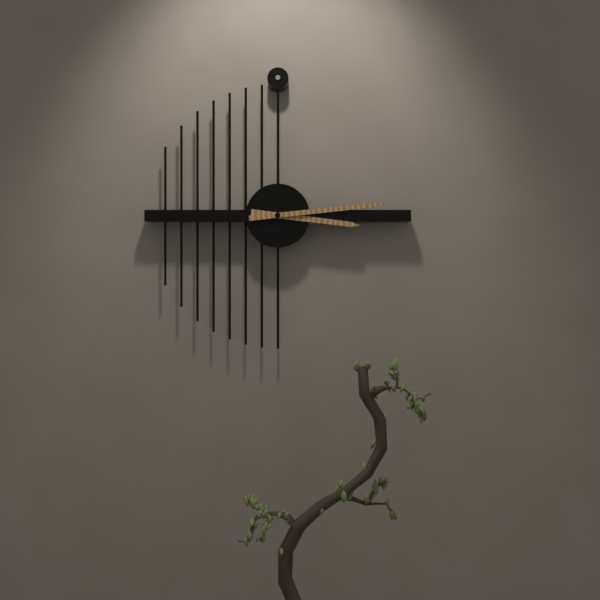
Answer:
3h14
